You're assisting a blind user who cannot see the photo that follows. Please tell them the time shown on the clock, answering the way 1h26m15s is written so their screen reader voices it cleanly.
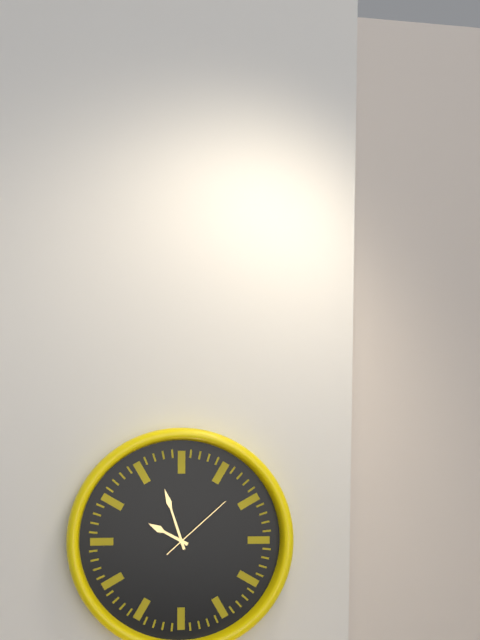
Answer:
9h57m08s
